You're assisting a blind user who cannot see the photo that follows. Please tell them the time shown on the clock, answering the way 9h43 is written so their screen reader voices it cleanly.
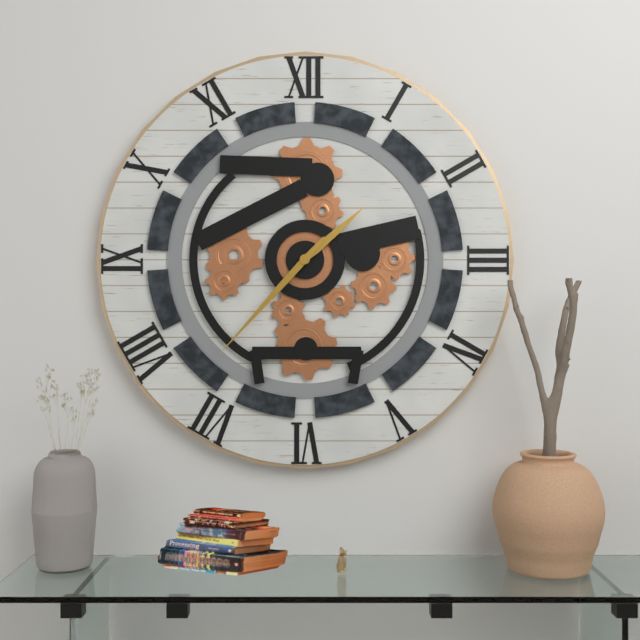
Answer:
1h37
